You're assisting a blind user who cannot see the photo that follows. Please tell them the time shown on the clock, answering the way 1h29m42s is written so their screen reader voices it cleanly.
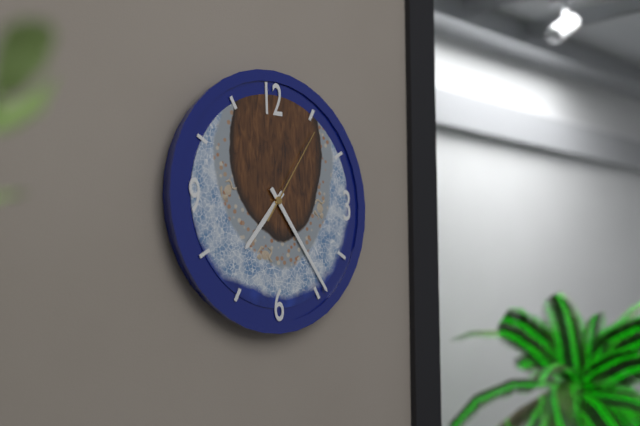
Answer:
7h24m06s
